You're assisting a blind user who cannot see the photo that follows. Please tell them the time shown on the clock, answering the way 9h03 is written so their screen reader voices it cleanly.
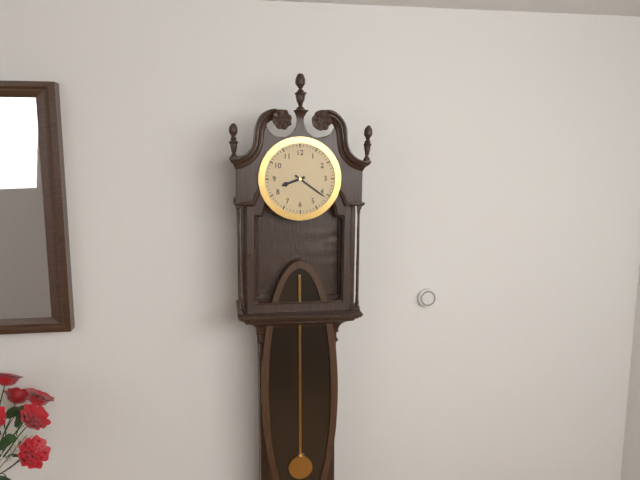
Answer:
8h21
